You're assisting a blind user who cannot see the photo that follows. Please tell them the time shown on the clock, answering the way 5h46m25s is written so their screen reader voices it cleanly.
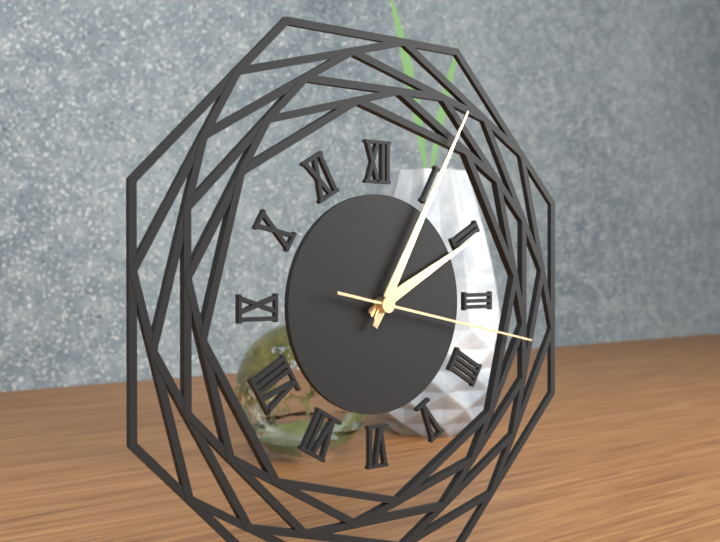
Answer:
2h05m17s
